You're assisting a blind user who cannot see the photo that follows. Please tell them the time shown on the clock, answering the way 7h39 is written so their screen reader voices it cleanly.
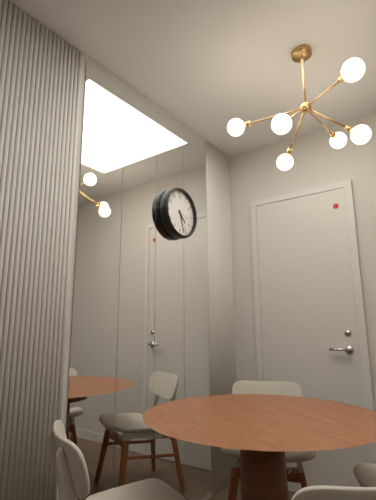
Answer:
4h27
